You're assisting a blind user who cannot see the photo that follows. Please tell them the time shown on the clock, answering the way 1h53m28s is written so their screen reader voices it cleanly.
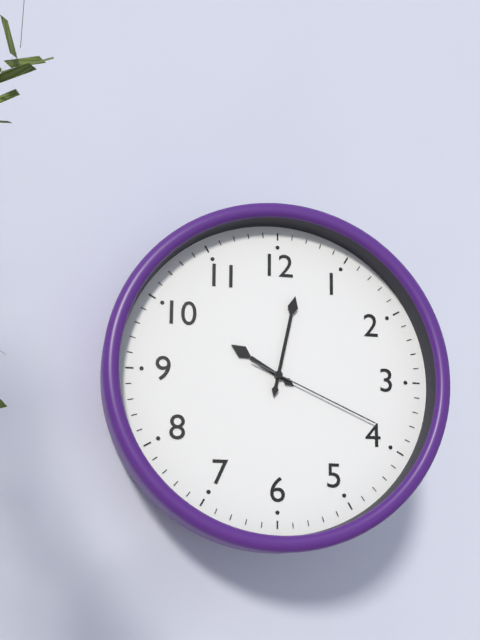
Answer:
10h02m19s
